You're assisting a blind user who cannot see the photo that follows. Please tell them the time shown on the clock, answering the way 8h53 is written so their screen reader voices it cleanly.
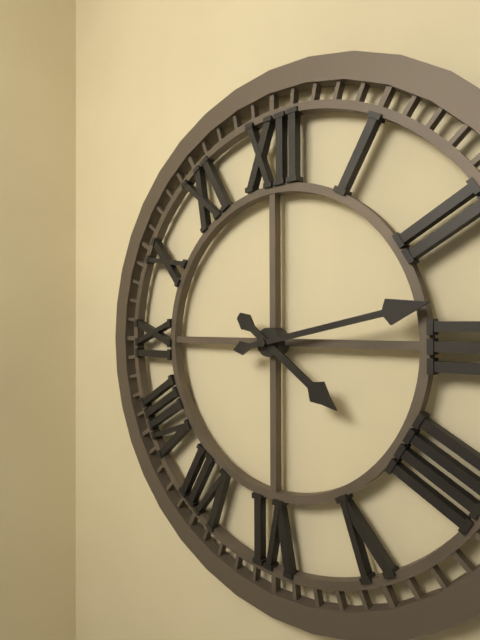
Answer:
4h13
